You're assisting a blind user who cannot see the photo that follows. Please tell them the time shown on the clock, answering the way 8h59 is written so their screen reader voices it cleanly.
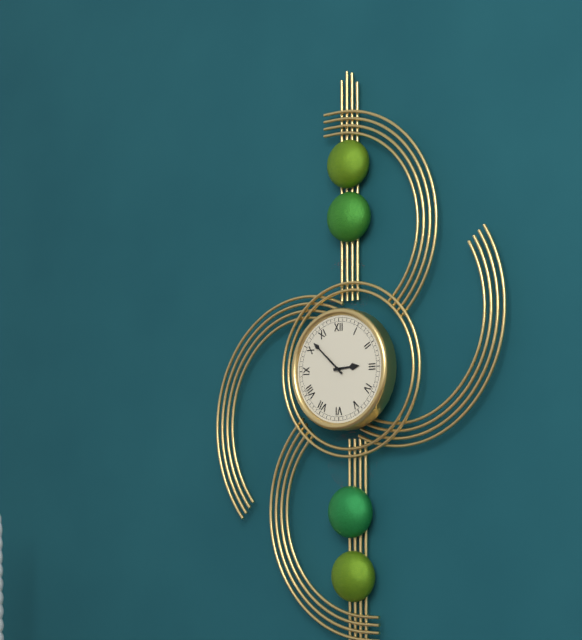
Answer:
2h52
